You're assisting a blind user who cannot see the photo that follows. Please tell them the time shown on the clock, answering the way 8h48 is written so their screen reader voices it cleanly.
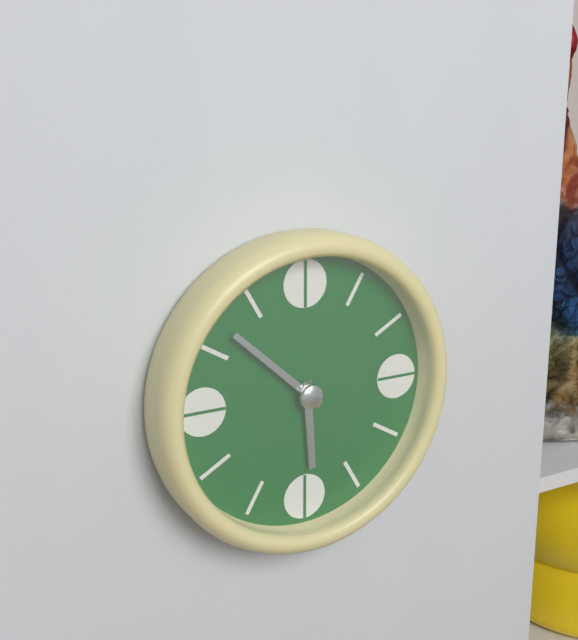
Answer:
5h52
